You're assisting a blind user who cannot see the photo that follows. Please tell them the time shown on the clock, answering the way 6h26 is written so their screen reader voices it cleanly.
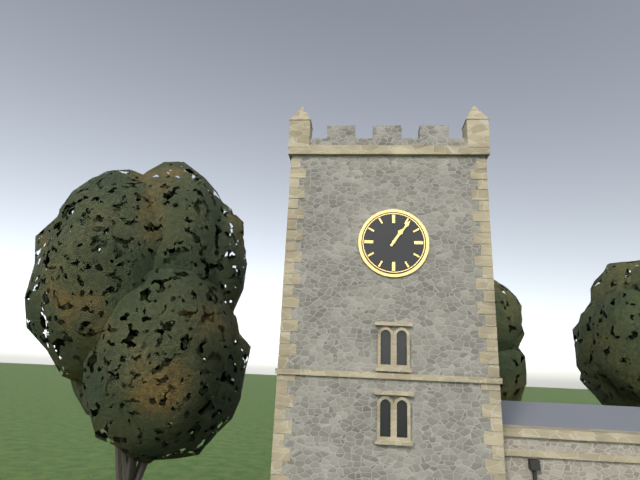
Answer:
1h06
